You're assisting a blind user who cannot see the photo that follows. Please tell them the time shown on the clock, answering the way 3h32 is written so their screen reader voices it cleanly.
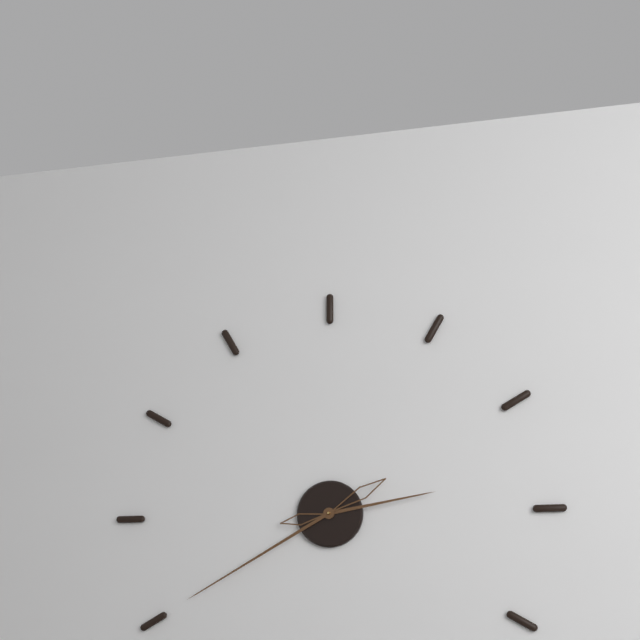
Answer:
2h40
